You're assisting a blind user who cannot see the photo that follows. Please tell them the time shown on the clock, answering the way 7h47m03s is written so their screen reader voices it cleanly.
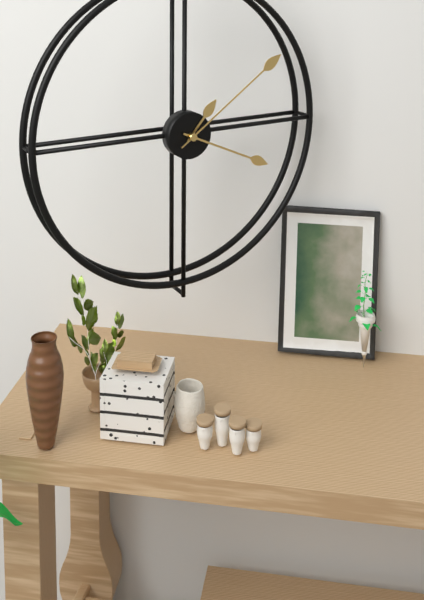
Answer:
1h19m09s
